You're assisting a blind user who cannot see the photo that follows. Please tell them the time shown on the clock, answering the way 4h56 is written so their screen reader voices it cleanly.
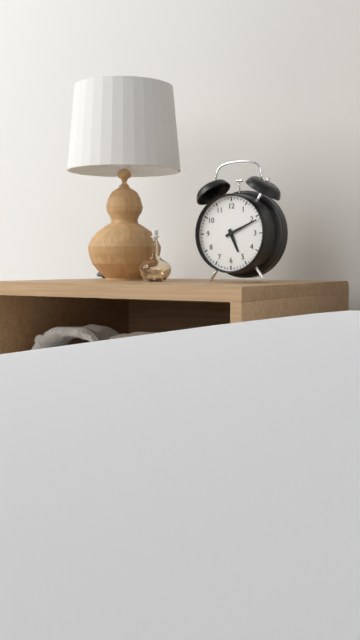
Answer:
5h11
